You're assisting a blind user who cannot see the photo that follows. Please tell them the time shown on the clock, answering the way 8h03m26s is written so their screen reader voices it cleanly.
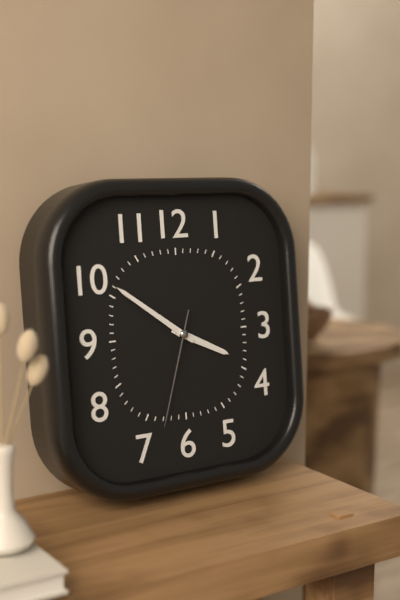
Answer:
3h51m33s
